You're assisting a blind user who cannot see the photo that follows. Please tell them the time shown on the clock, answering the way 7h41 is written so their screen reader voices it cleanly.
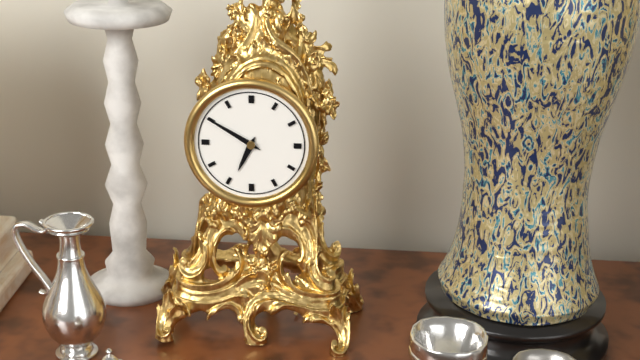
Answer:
6h50
